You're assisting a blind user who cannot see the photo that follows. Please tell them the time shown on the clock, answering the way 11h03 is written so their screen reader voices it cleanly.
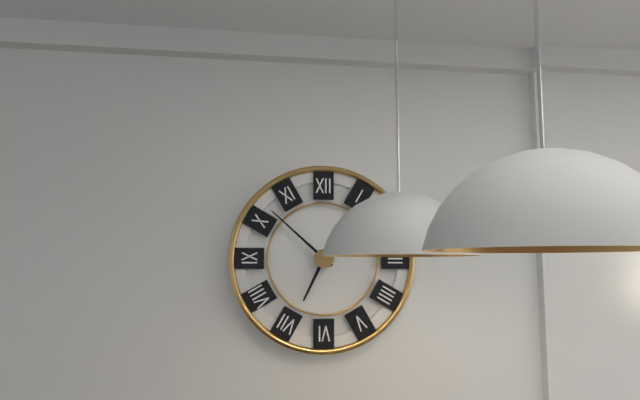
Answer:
6h52
